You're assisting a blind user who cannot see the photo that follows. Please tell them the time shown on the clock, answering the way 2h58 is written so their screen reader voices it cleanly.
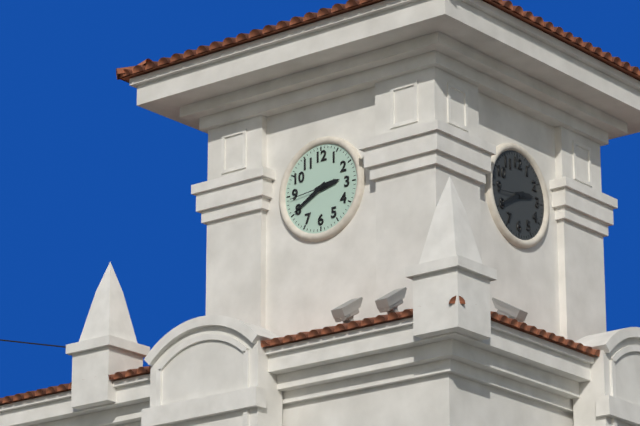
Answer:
2h40
